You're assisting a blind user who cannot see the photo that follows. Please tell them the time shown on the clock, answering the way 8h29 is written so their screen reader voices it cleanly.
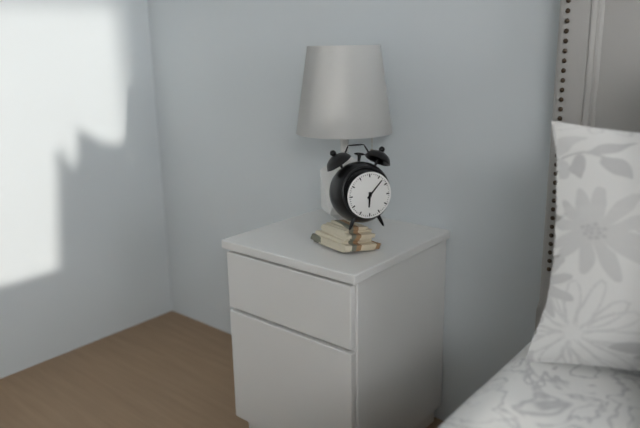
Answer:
6h07
